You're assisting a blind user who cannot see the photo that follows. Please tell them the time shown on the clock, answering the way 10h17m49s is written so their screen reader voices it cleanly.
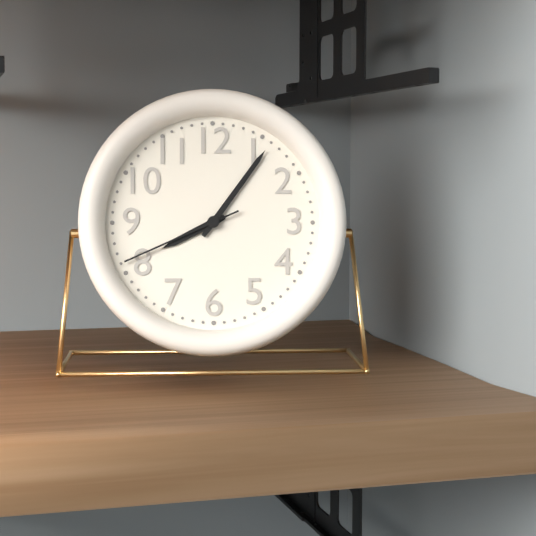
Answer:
8h06m41s
